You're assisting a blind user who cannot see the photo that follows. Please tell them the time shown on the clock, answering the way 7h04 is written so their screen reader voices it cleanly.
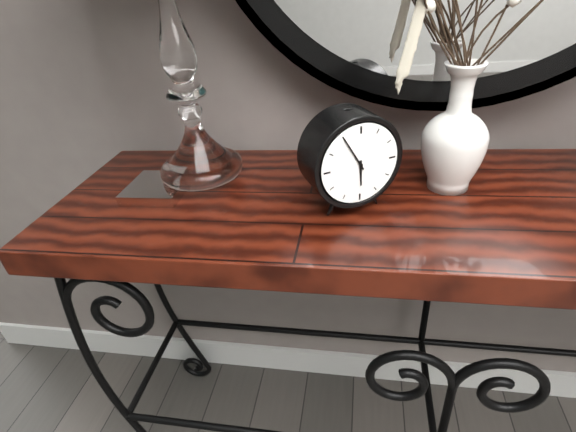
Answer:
5h55
